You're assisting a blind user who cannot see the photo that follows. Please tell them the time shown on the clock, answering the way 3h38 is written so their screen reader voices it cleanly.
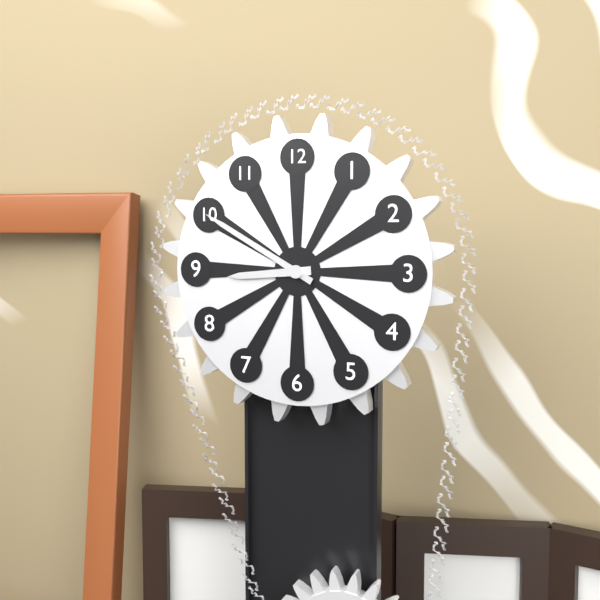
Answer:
8h50
